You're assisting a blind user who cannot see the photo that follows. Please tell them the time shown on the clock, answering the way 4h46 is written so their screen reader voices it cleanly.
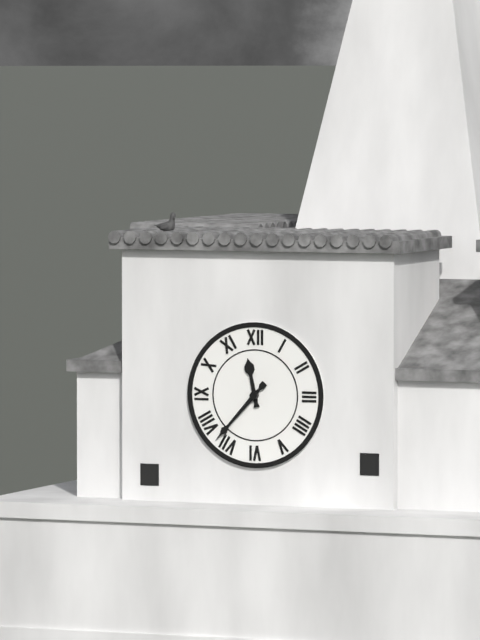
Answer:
11h37
